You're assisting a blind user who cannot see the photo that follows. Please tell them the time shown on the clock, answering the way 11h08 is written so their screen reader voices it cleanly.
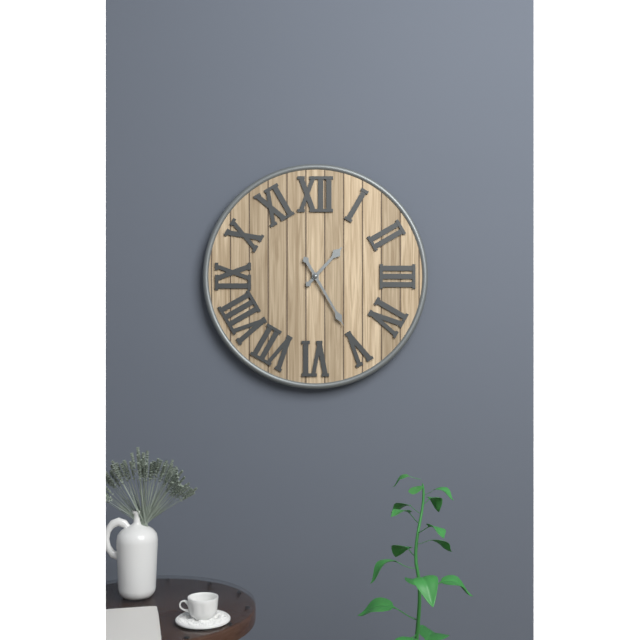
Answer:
1h25
